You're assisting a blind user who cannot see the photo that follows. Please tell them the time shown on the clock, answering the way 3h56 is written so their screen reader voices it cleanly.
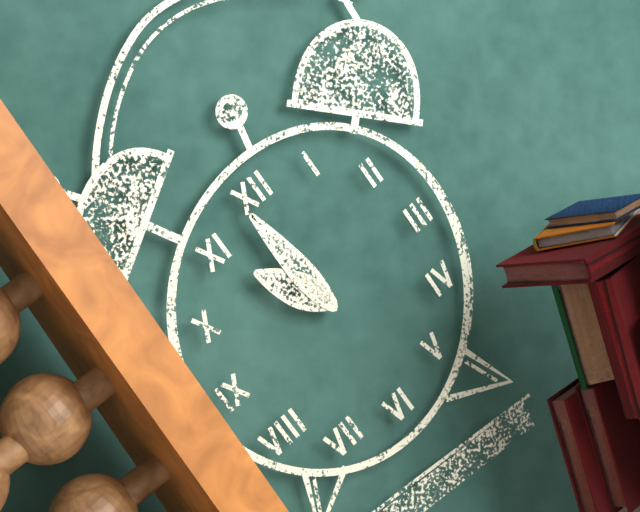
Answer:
10h59
